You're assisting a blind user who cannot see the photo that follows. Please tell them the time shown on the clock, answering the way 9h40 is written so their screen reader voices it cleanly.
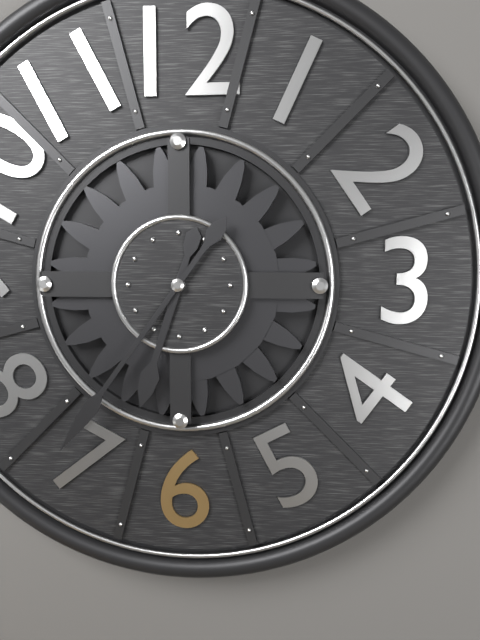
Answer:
6h36
